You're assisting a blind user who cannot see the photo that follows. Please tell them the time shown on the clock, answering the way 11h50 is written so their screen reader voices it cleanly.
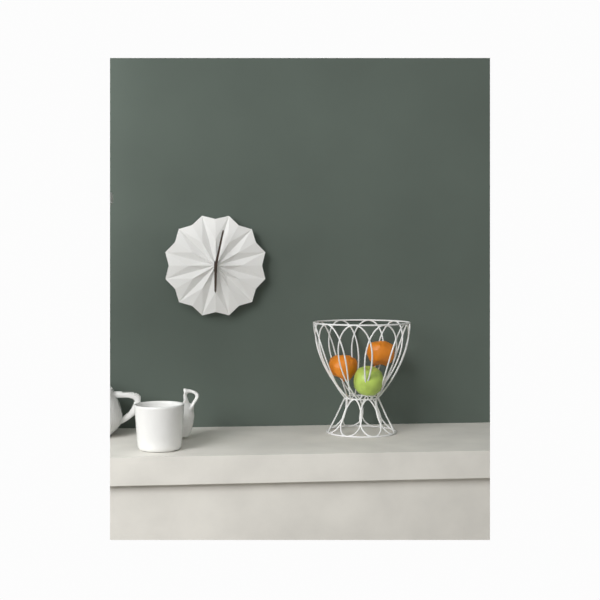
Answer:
6h02
